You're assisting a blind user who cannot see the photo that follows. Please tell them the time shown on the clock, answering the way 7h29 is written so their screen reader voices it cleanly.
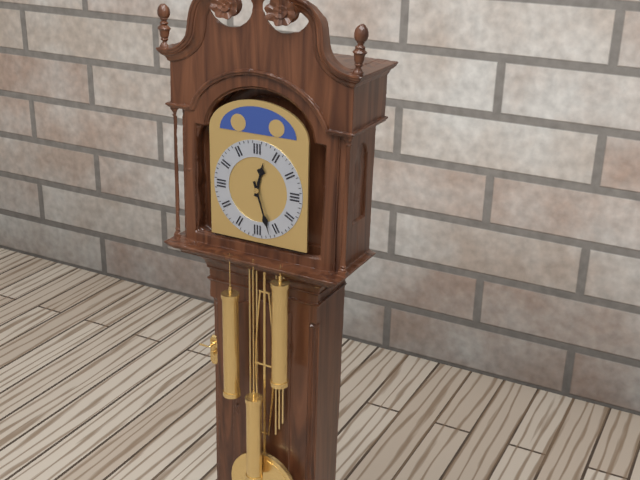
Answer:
12h27
